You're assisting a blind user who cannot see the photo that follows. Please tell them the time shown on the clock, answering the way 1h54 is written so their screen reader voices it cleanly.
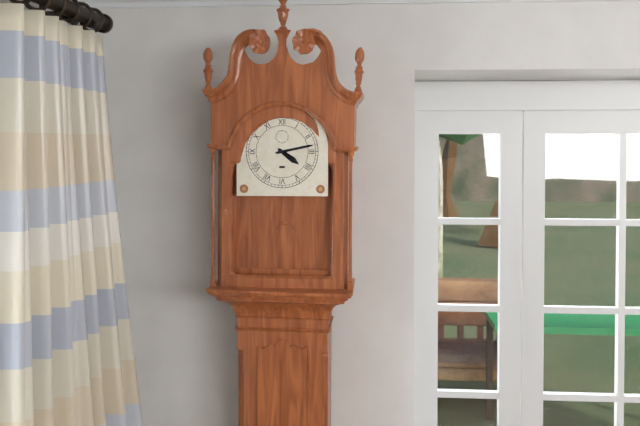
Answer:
4h13
